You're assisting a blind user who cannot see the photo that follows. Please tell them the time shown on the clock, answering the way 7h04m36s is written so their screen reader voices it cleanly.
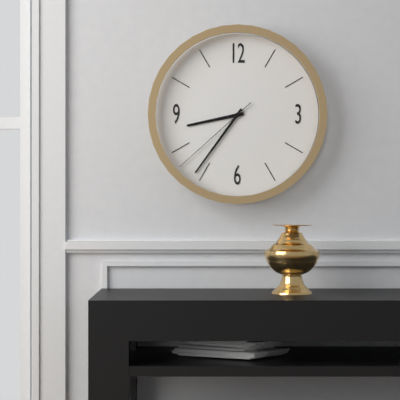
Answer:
8h36m38s
